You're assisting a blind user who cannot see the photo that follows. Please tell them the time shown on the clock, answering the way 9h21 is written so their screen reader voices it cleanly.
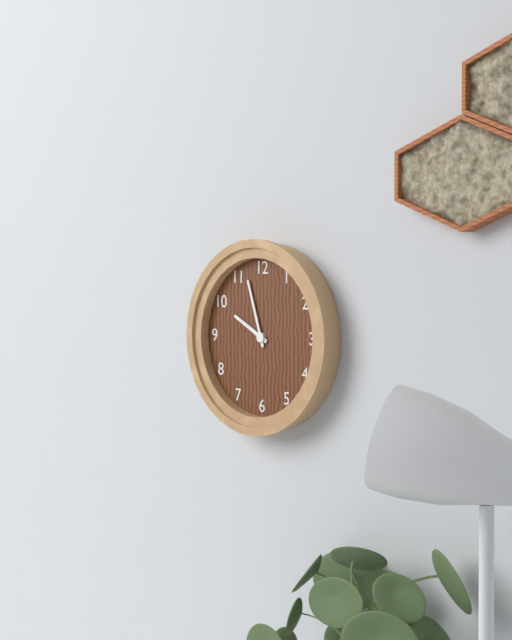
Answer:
9h57
